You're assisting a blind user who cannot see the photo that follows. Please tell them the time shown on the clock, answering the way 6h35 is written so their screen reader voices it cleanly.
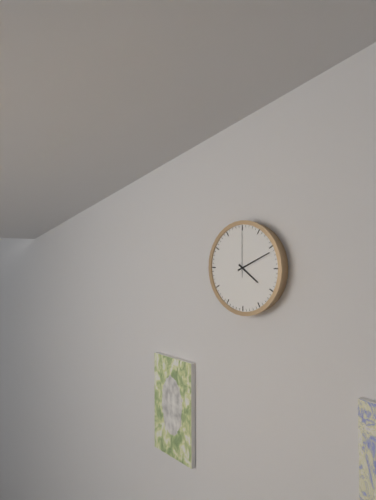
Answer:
4h11
